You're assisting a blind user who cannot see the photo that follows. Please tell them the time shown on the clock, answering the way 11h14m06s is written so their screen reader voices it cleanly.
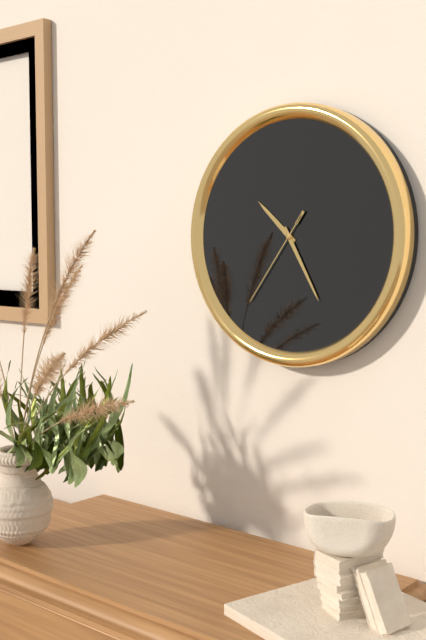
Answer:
10h25m36s
